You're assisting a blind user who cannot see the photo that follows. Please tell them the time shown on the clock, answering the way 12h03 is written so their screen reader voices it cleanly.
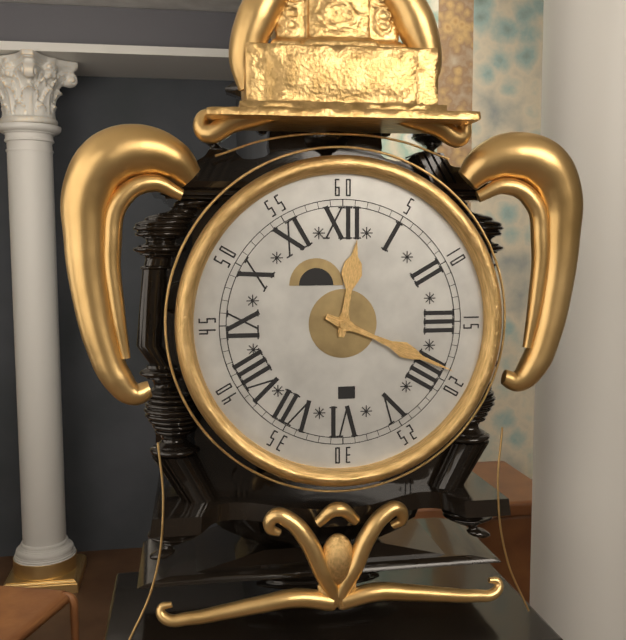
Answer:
12h19
